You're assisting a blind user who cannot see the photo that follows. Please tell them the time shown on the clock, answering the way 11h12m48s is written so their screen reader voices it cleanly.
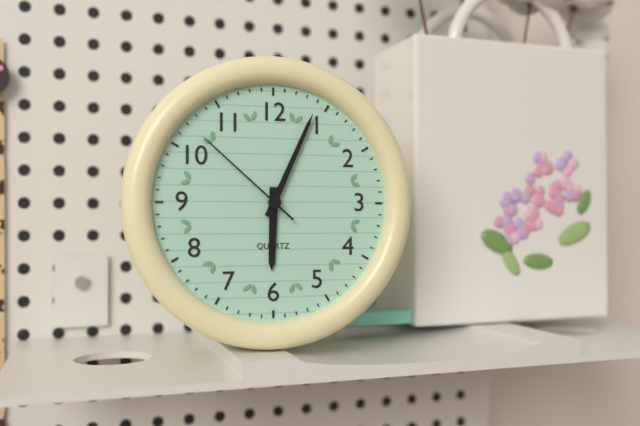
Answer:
6h04m52s
